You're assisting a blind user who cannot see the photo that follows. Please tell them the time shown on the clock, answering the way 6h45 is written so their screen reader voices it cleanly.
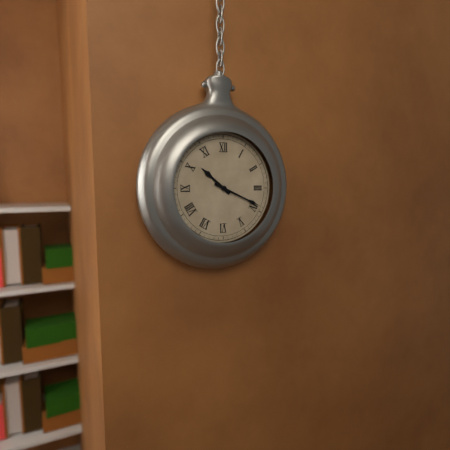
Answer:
10h19
